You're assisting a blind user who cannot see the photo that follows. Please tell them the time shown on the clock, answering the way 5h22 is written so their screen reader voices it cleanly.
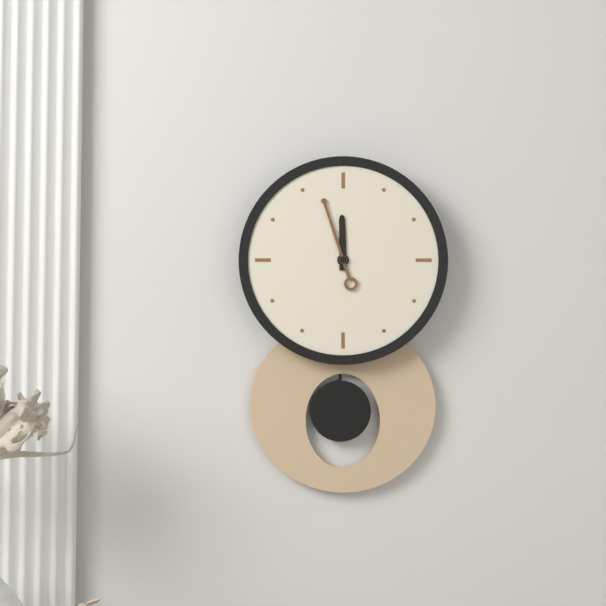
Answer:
11h57
